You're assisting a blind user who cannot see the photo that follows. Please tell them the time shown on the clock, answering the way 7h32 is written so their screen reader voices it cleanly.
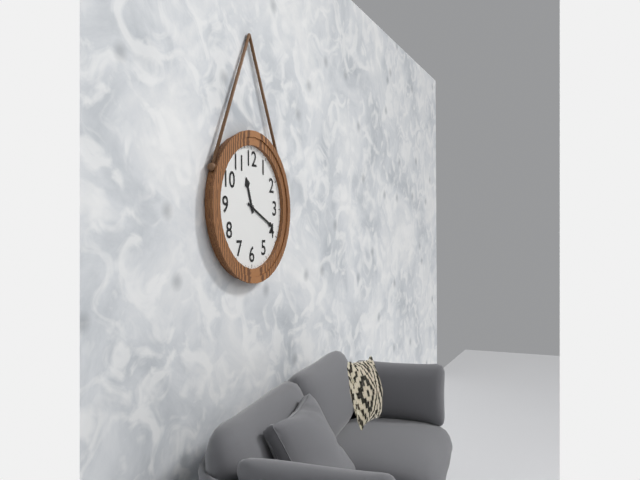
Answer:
11h19
